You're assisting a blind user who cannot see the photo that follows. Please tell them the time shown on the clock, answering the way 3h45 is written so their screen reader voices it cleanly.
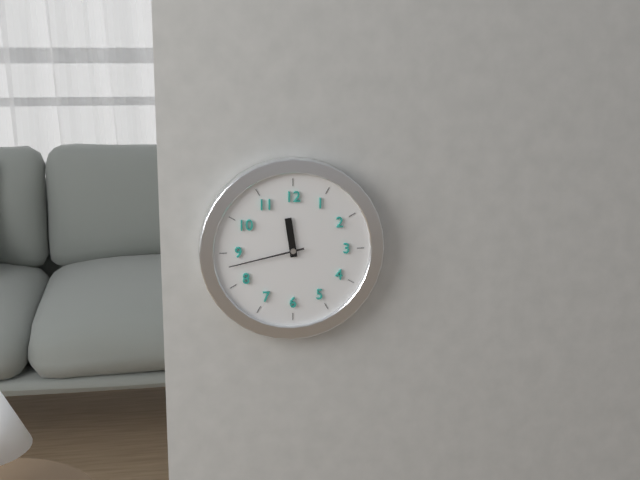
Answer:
11h43
